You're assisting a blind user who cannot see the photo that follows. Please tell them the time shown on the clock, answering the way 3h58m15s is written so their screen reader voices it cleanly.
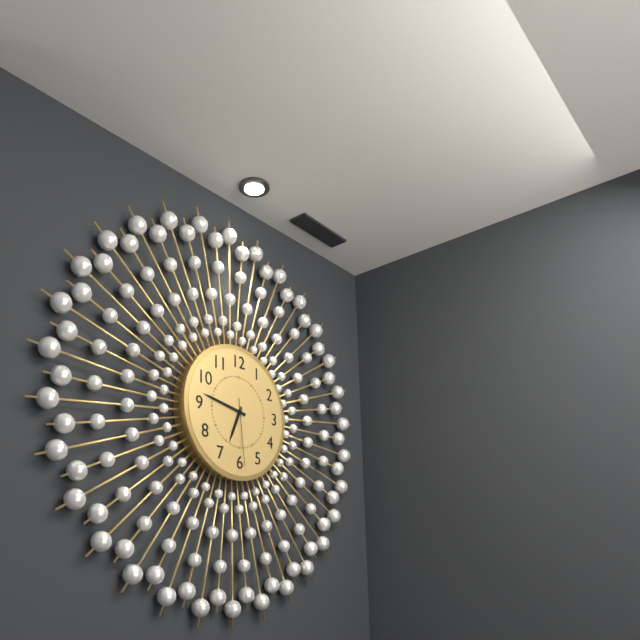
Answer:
6h47m29s
